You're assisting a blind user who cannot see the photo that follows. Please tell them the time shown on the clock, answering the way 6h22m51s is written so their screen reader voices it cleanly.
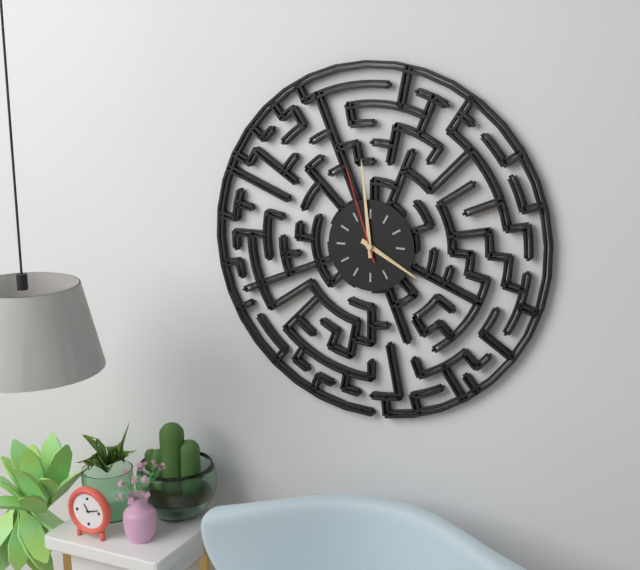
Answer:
3h59m57s
